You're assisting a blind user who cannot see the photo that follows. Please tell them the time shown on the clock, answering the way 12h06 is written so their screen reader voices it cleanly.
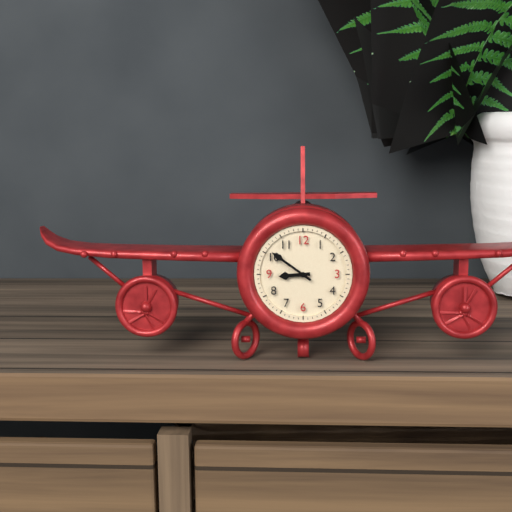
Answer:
8h51
